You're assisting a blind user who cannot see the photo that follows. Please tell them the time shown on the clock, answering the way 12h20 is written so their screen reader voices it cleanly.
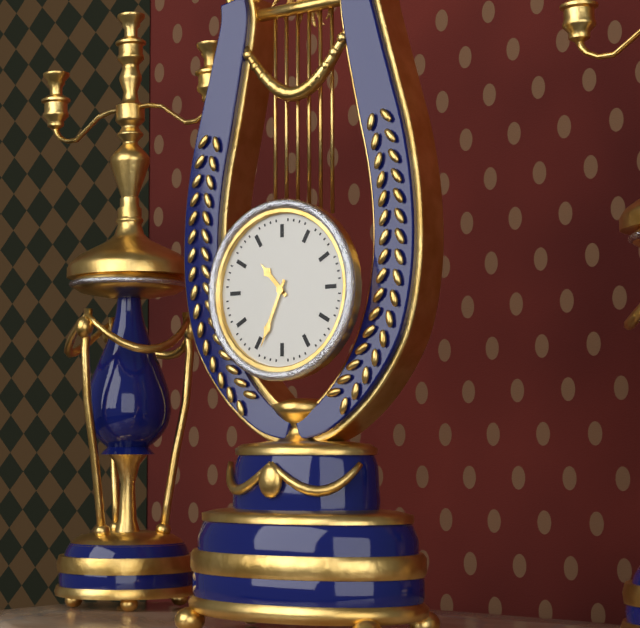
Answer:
10h34
